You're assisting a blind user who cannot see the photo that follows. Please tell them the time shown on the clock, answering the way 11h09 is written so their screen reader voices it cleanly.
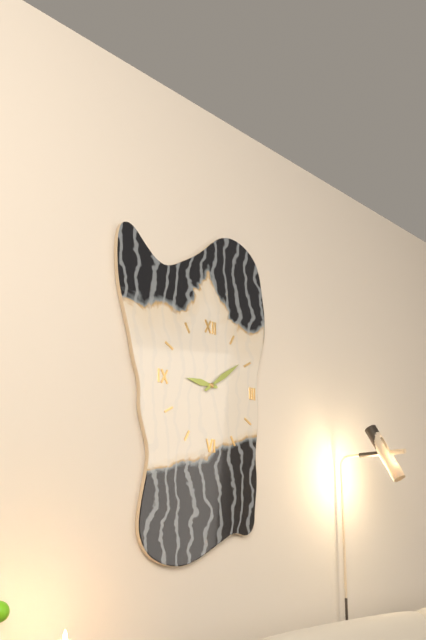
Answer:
9h09
